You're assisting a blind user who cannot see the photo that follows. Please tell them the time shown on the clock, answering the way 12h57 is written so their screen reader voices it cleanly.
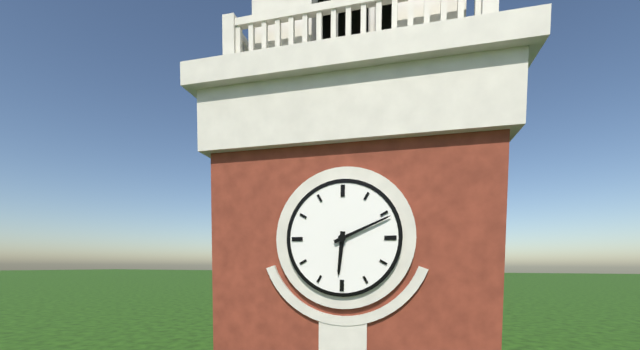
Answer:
6h11
